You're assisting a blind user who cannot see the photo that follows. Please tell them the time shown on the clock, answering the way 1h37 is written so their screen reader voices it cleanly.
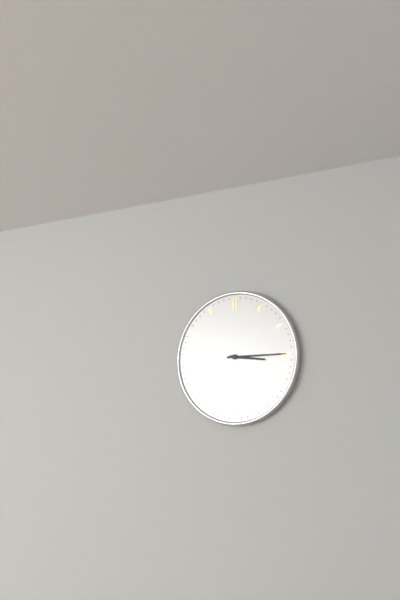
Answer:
3h15
